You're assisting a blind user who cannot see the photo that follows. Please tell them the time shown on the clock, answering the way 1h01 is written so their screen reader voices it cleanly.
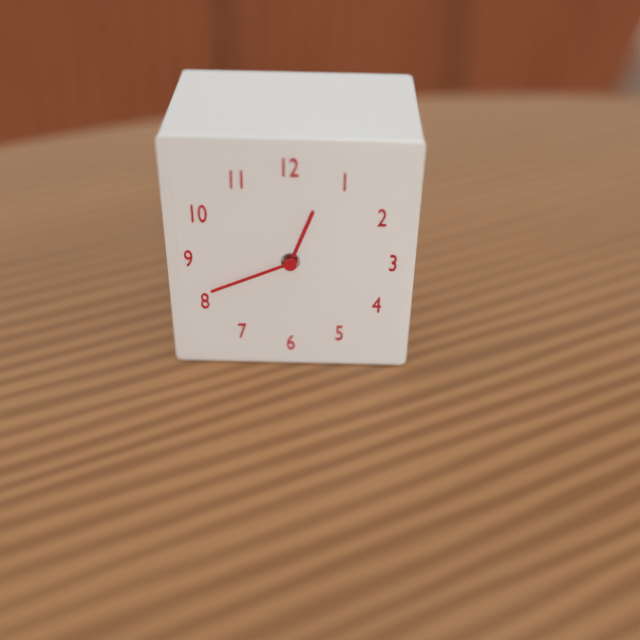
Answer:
12h41
